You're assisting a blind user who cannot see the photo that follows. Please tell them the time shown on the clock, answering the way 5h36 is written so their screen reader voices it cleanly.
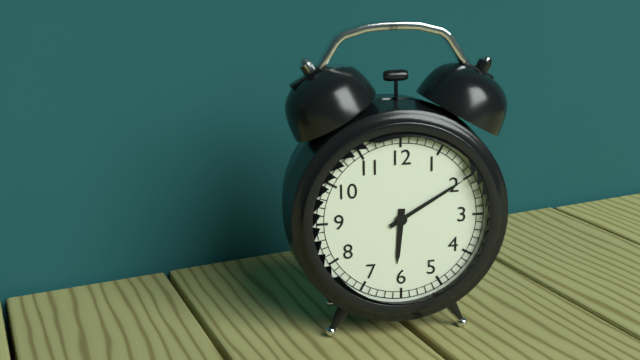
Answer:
6h10
